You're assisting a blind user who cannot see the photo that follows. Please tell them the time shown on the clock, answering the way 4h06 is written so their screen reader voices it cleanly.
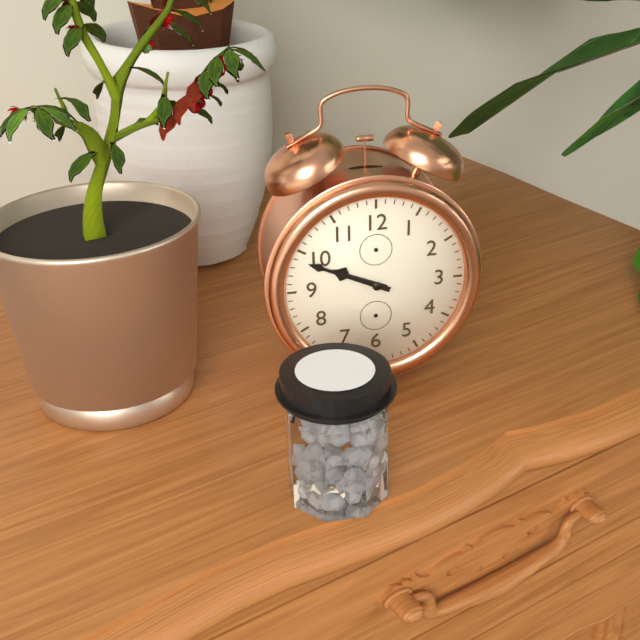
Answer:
9h49
